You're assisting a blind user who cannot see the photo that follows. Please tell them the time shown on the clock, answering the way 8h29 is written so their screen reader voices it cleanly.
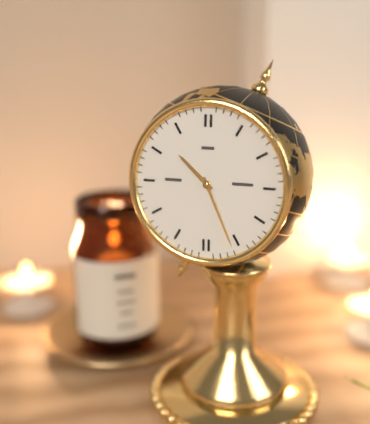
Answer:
10h26
